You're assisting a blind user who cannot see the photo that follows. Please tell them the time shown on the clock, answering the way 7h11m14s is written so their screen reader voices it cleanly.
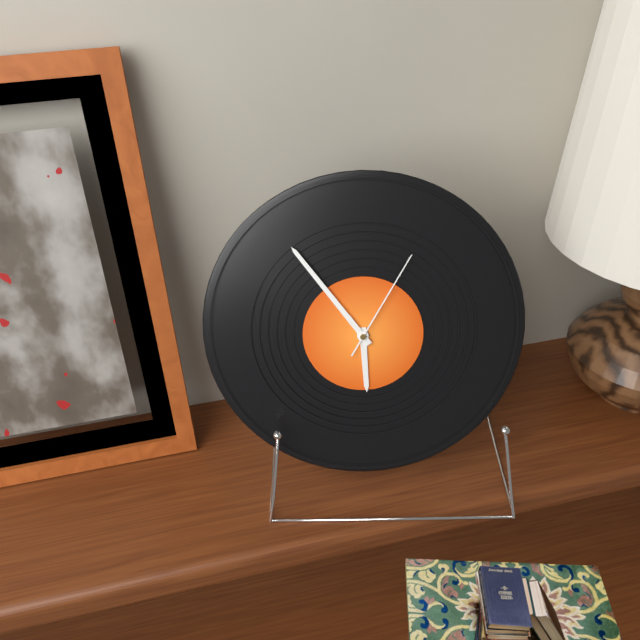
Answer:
5h54m05s
